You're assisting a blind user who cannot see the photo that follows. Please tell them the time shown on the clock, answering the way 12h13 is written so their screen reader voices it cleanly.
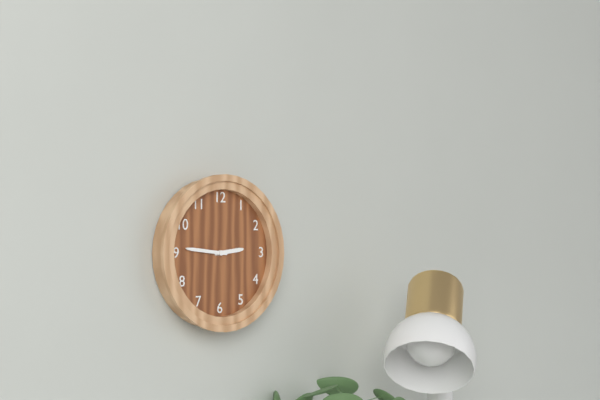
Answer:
2h46
